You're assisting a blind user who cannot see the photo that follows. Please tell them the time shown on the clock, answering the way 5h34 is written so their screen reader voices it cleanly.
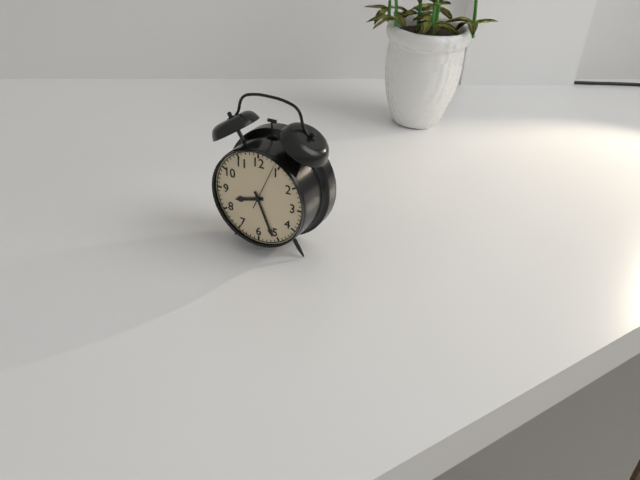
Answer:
8h26
